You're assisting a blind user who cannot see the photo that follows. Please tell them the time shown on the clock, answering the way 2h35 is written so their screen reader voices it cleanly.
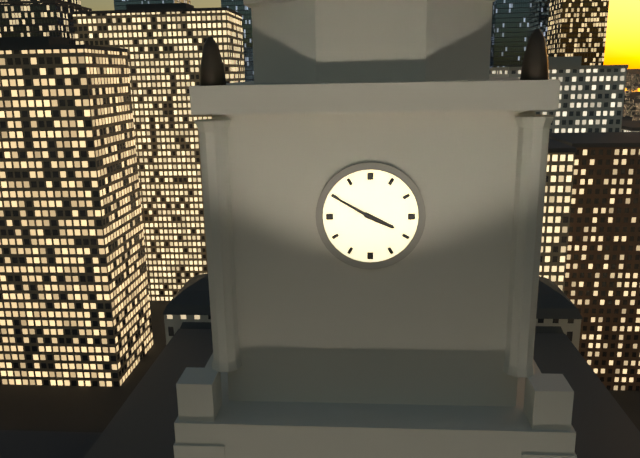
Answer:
3h50
